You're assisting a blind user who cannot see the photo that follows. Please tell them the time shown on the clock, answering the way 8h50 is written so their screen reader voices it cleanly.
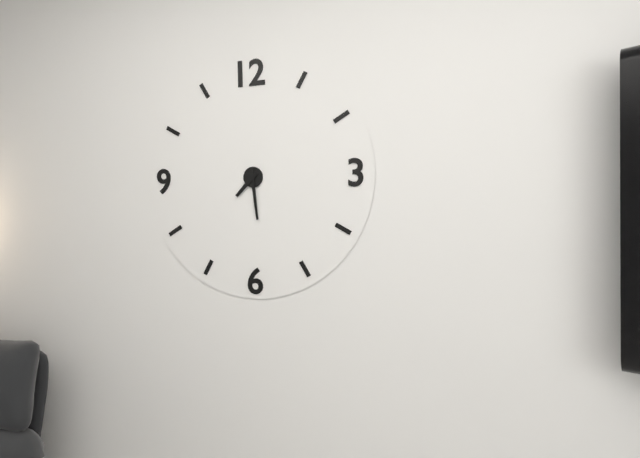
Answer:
7h29
